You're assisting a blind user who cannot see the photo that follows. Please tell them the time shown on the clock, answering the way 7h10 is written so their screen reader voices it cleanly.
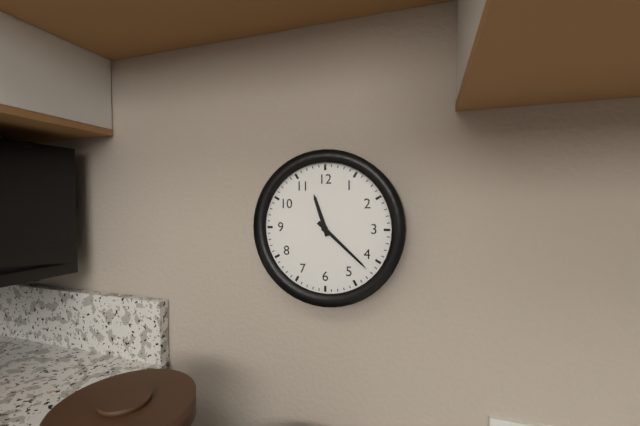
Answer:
11h22
